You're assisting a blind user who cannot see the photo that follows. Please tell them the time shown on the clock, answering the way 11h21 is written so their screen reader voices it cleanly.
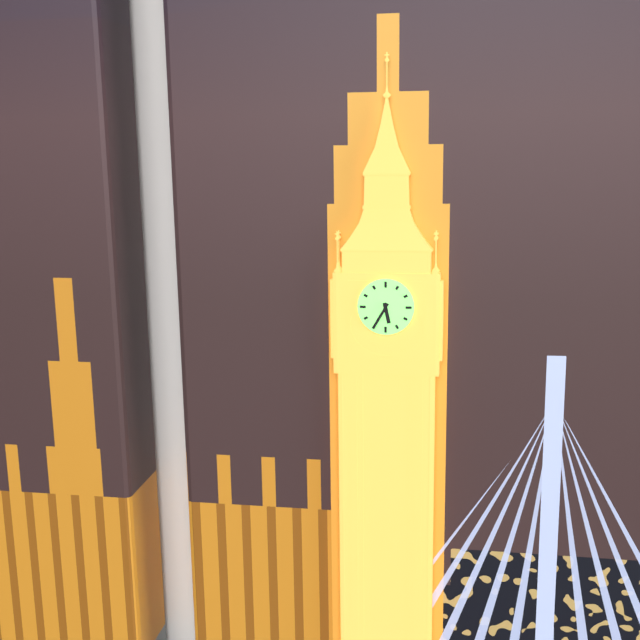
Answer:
5h35
